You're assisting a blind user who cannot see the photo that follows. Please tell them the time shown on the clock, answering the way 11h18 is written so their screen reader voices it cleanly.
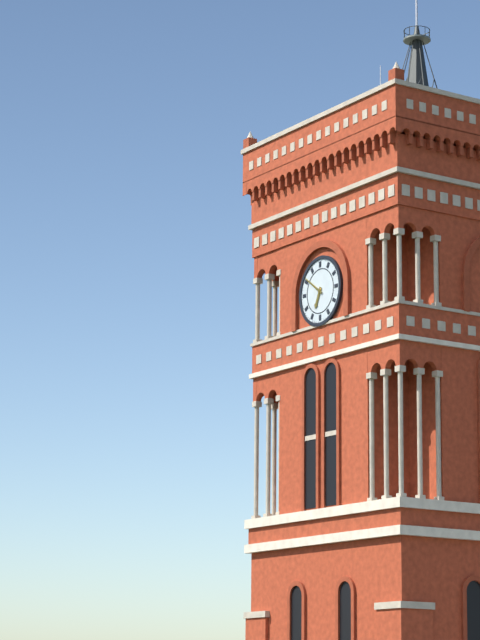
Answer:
6h51
